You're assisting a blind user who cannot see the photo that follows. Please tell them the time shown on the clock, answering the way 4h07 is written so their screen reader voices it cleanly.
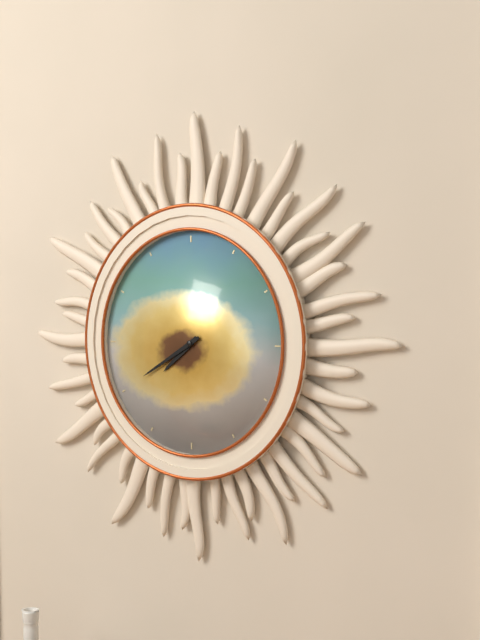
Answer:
7h40
